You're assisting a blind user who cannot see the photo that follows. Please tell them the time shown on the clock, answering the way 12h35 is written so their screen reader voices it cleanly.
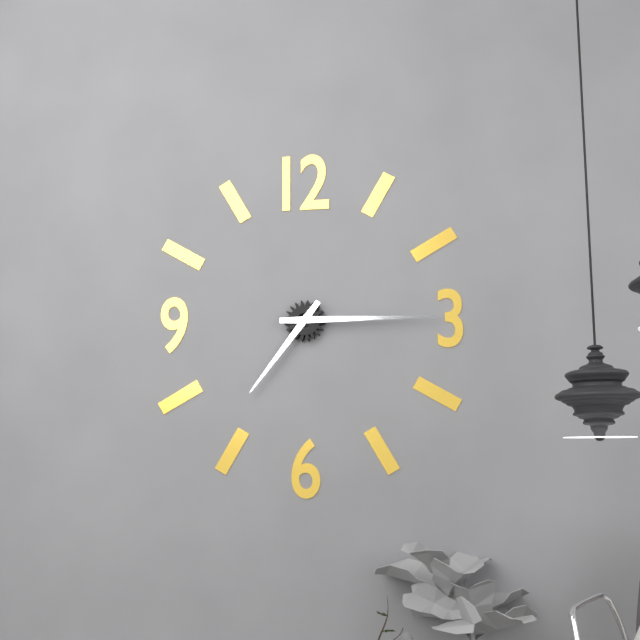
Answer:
7h15
